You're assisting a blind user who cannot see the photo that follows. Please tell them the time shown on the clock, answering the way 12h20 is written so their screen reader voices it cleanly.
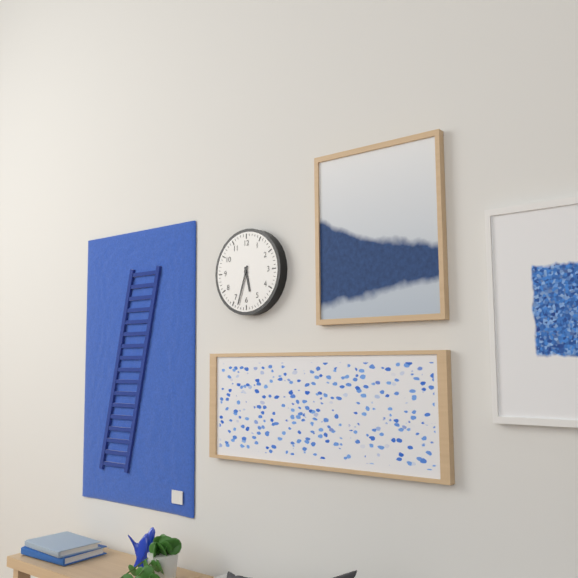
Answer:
5h33
